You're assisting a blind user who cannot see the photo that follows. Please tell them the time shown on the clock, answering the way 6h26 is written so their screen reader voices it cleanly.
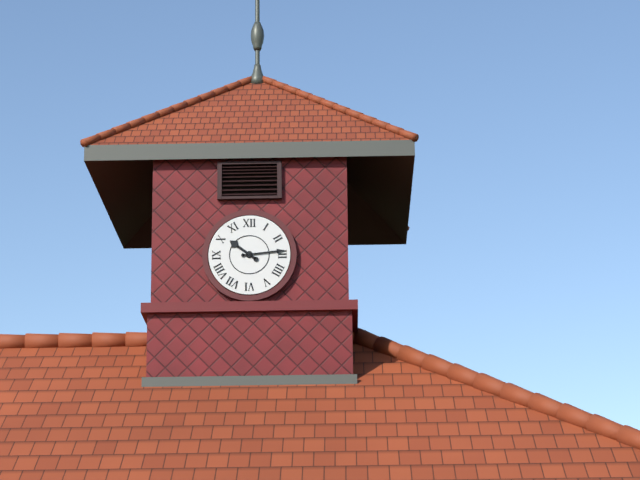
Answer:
10h14
